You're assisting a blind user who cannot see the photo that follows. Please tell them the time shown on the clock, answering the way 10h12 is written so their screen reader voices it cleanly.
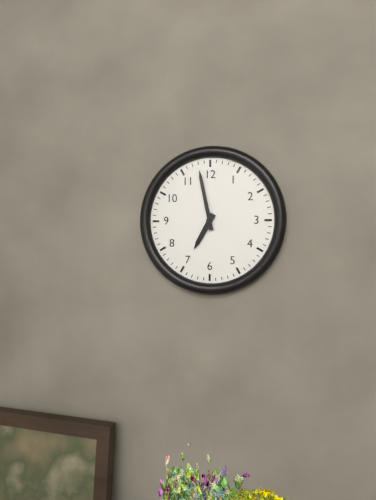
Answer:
6h58
